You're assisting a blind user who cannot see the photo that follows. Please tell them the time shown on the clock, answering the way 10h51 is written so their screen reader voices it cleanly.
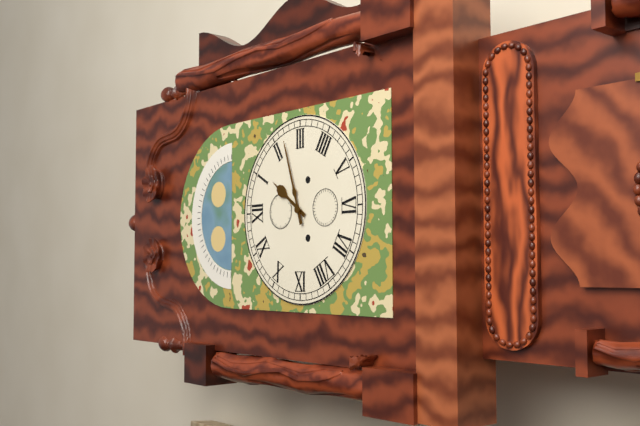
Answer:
1h12
